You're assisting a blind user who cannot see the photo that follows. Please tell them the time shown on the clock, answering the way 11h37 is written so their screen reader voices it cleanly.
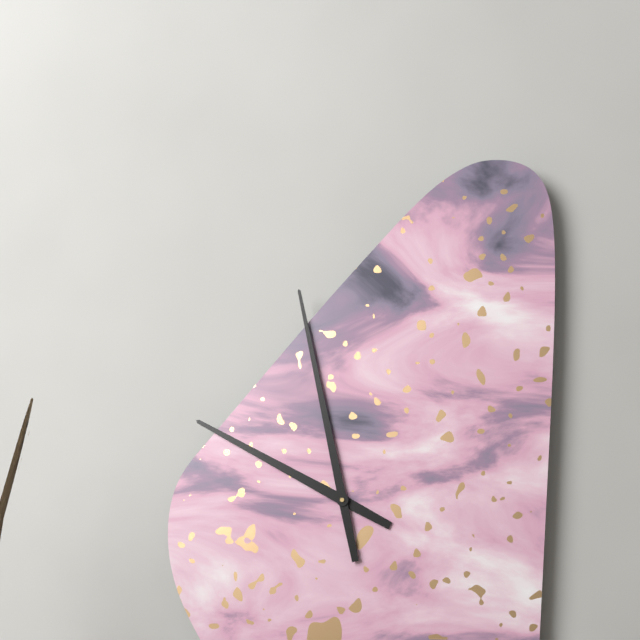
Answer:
9h58
